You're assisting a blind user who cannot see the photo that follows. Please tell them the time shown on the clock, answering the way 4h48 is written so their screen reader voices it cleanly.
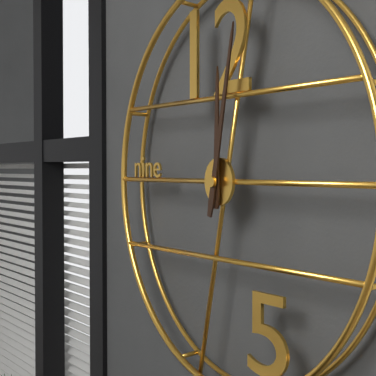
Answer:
12h02
